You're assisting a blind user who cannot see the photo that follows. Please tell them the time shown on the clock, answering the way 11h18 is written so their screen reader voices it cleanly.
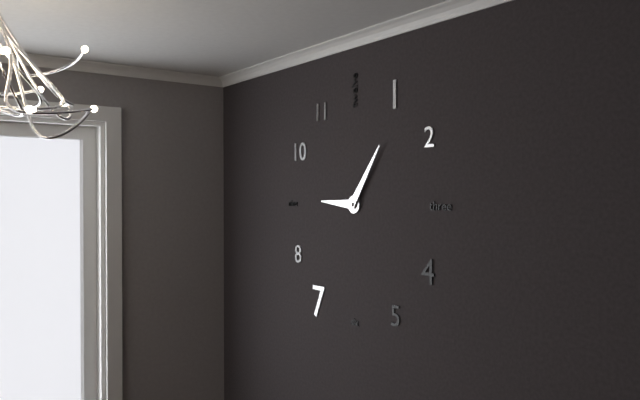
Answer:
9h06
